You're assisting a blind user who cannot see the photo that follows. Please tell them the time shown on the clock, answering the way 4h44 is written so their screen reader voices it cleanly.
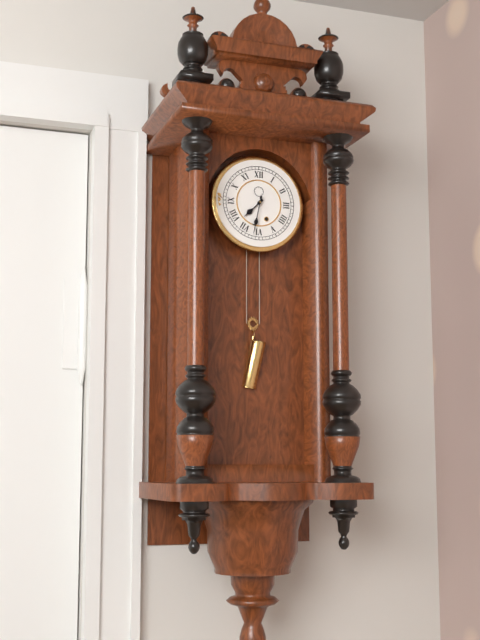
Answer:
7h32
